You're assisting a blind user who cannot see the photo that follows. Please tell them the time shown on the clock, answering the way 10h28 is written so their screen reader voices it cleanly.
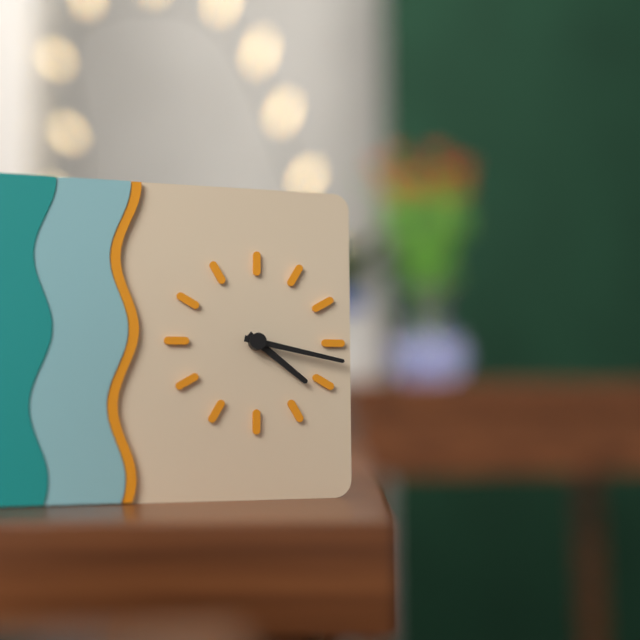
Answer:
4h17
